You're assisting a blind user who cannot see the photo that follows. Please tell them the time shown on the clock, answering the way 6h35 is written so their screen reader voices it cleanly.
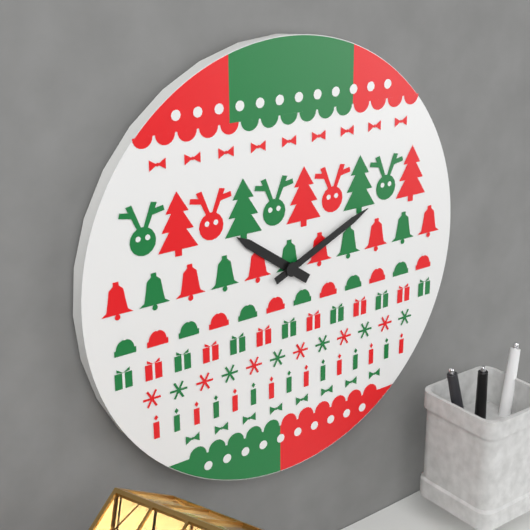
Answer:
10h11
